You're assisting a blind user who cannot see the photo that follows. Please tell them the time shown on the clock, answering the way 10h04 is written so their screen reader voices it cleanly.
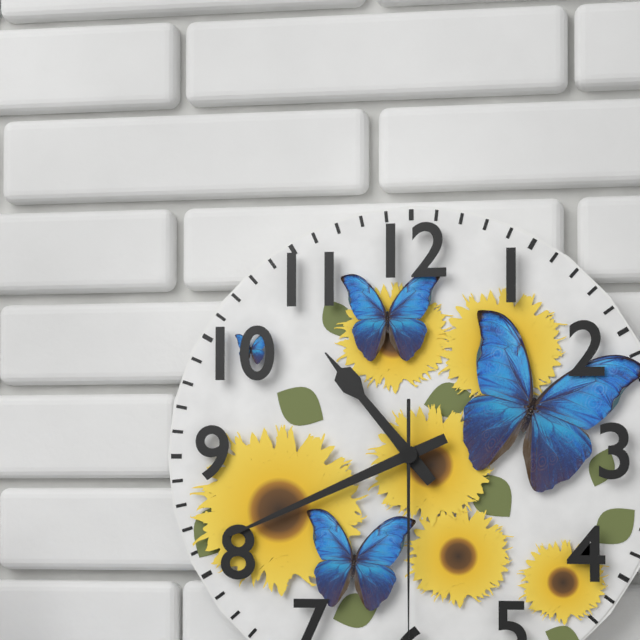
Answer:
10h41
